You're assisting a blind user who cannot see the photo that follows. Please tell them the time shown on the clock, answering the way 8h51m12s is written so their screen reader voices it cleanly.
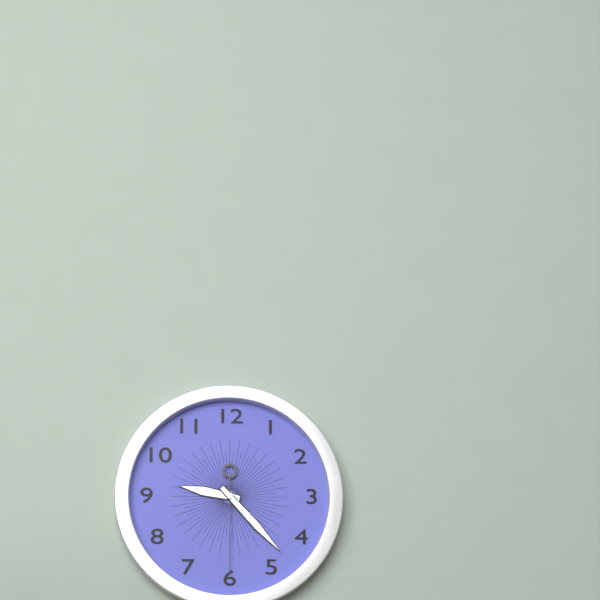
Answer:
9h23m30s
